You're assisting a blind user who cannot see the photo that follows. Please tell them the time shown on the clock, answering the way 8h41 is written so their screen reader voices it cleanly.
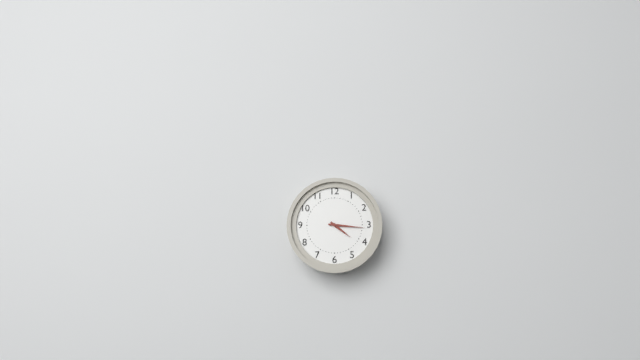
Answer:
4h16
